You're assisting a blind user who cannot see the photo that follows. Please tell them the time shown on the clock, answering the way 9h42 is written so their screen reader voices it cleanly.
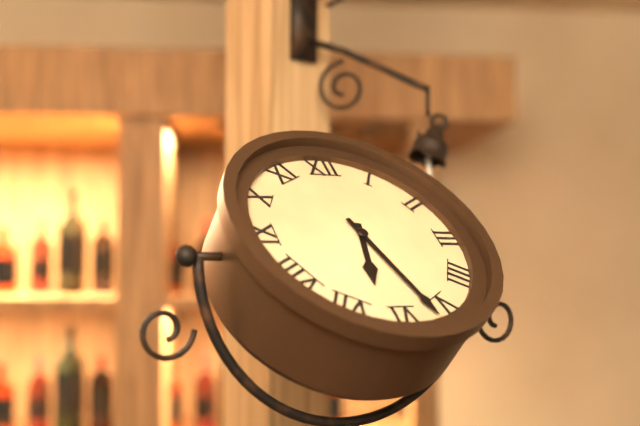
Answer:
6h27
